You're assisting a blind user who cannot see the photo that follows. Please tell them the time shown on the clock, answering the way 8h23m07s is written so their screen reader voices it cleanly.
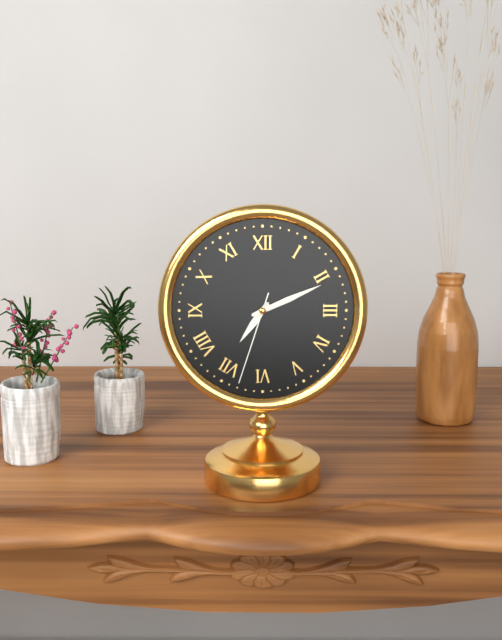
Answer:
7h11m33s
